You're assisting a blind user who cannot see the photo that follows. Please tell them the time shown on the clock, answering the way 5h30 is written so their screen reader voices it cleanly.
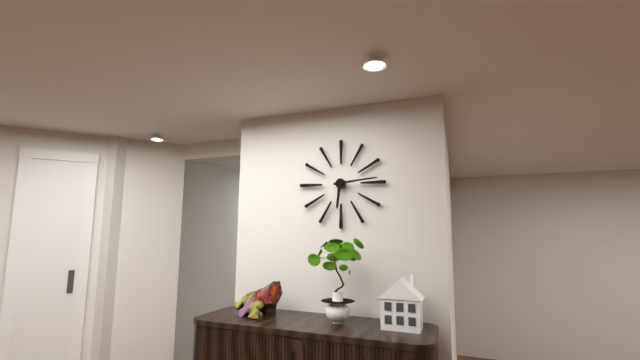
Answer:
6h14
